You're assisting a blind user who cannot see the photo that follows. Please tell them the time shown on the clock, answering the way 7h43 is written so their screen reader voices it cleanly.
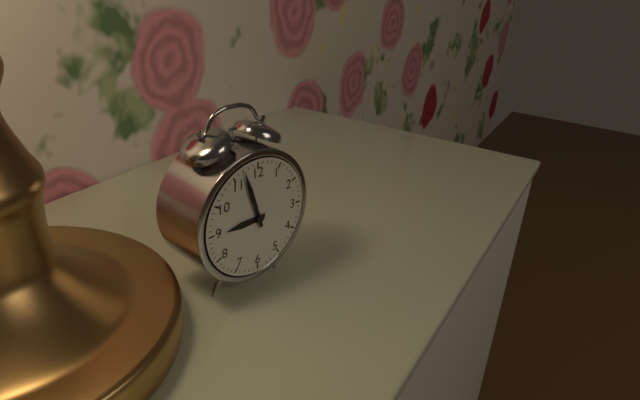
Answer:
8h57
